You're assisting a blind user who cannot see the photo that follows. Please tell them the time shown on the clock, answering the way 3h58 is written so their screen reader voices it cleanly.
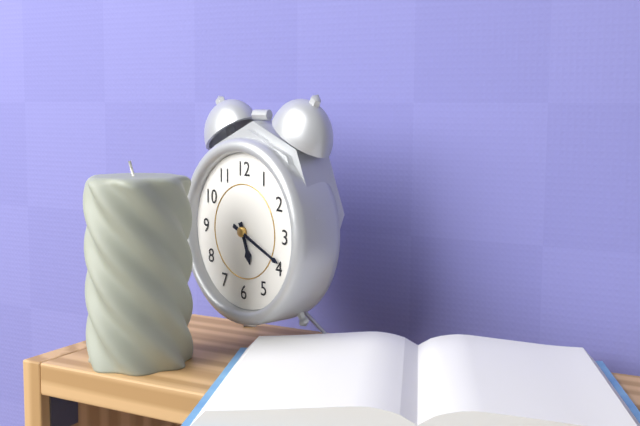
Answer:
5h19
